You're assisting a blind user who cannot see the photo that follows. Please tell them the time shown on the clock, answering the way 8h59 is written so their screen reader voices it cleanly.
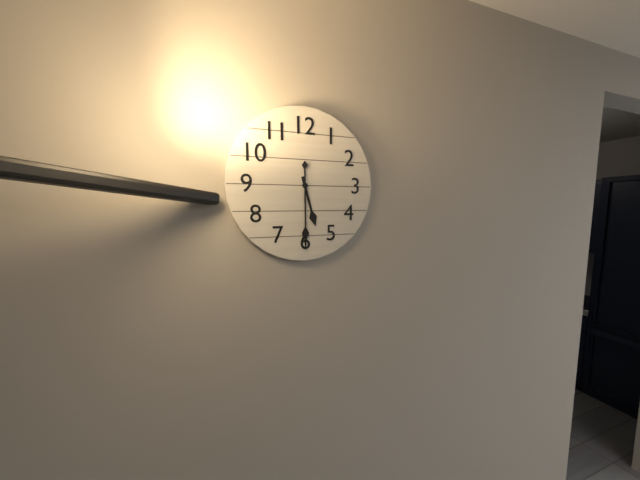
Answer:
5h30
